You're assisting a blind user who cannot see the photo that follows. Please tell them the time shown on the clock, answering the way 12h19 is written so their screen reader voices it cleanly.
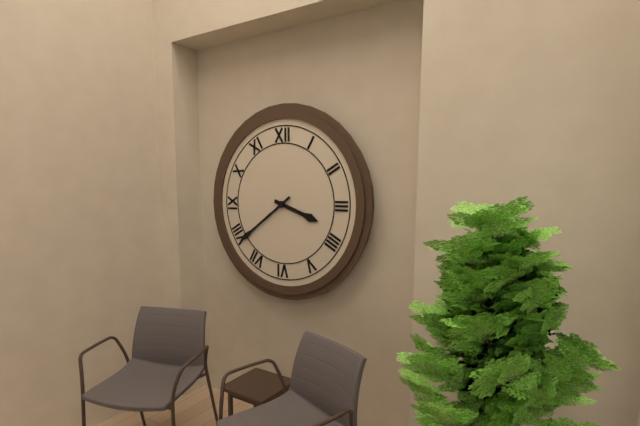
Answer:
3h39
